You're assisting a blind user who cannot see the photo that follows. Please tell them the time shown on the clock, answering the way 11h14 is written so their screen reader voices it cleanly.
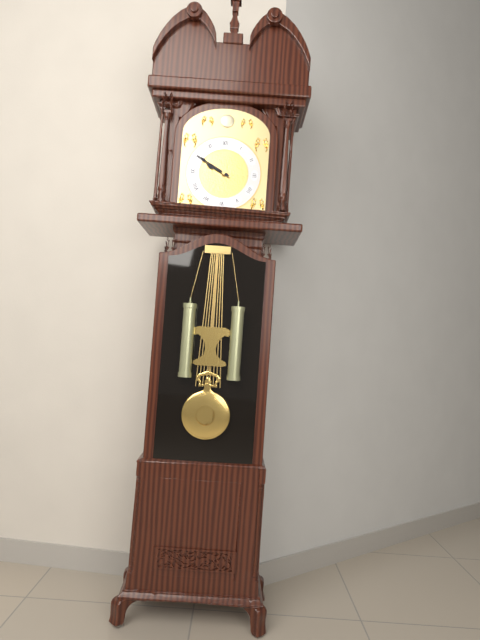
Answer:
9h50
